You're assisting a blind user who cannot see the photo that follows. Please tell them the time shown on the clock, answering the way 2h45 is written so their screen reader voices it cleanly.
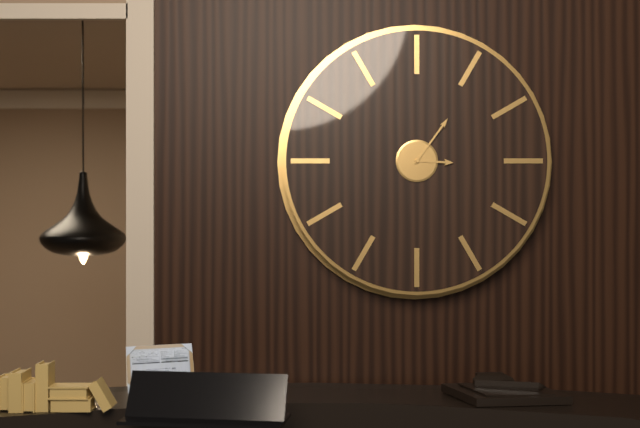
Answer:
3h06
